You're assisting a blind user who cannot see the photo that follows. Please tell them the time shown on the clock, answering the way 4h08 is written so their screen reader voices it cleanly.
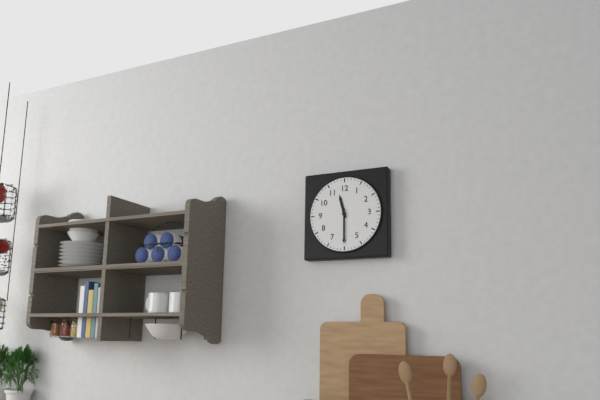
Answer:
11h30
